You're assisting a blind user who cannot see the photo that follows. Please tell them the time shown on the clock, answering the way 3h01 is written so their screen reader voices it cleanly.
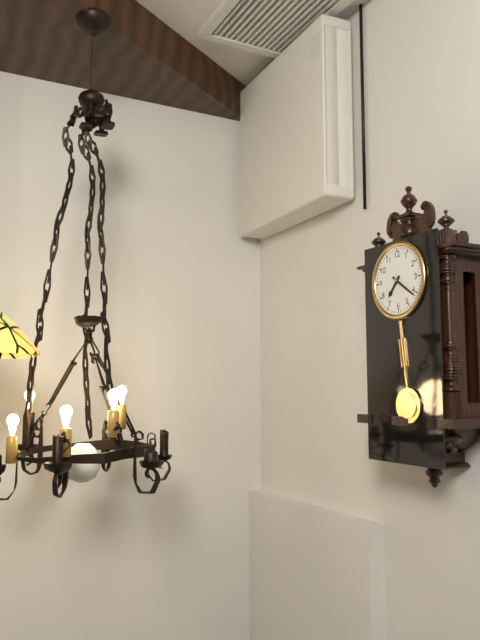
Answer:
7h21
